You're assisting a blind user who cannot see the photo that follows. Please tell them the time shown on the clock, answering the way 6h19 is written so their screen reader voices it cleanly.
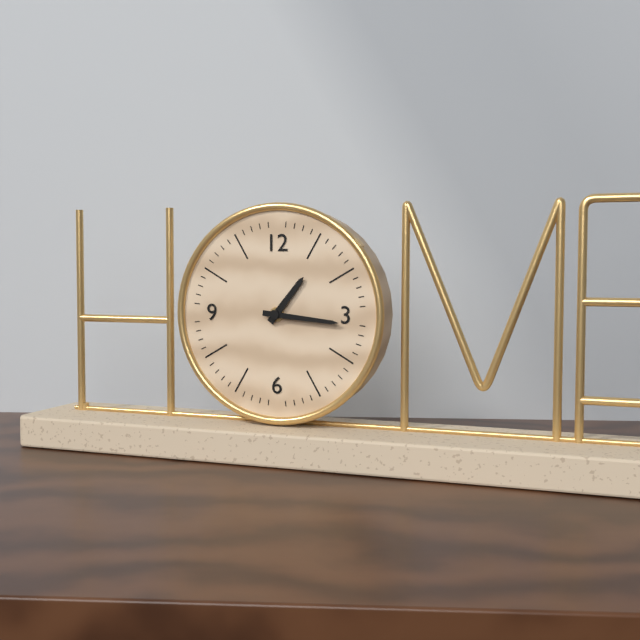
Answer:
1h16
